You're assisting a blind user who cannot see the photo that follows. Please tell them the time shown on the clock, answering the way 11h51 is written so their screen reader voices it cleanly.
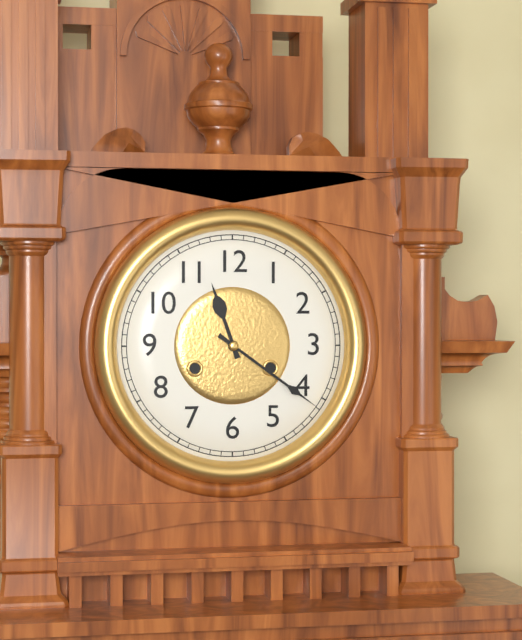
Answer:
11h21
